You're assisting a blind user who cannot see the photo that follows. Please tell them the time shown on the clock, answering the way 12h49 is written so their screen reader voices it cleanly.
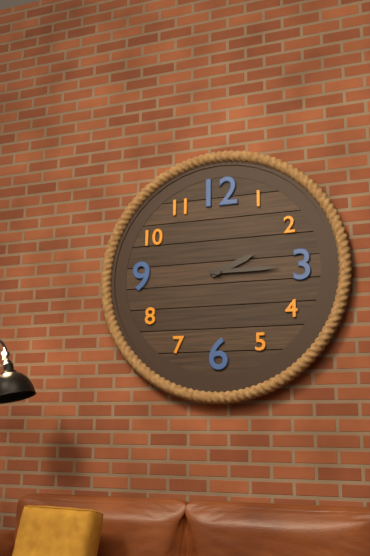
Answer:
2h15
